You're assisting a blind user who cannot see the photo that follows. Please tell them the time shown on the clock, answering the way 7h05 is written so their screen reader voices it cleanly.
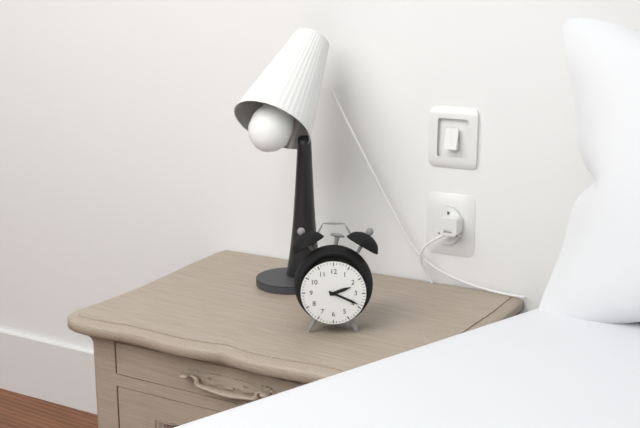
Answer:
2h19
